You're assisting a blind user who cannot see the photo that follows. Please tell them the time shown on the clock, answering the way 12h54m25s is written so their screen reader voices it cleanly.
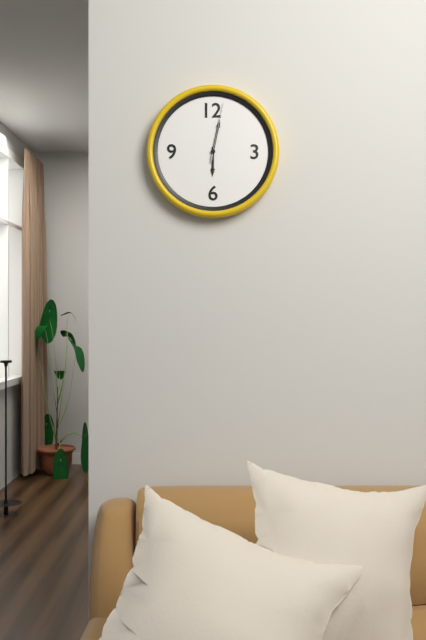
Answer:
6h02m02s
